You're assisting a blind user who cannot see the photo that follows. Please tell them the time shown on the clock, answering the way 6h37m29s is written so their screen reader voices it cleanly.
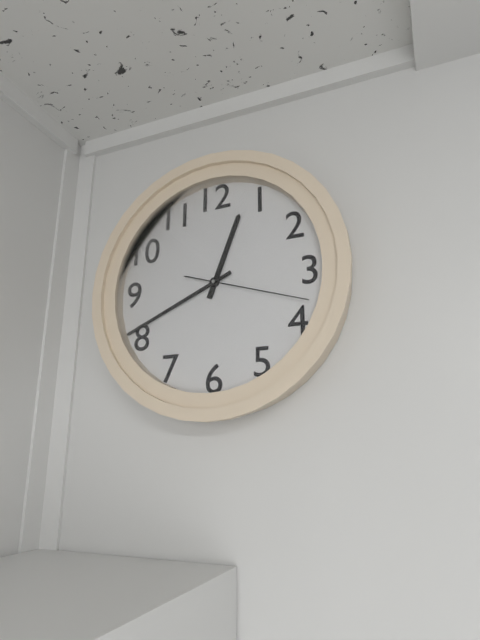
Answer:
12h41m18s
